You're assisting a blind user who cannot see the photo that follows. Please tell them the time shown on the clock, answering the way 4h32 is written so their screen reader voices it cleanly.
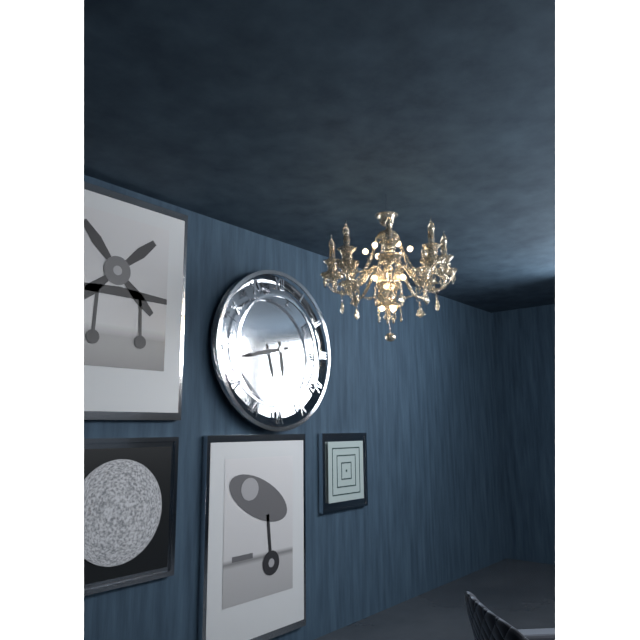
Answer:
5h43
